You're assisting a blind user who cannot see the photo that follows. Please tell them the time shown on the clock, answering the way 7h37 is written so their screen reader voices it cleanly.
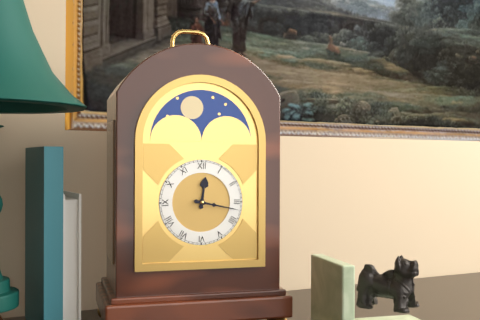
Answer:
12h17
